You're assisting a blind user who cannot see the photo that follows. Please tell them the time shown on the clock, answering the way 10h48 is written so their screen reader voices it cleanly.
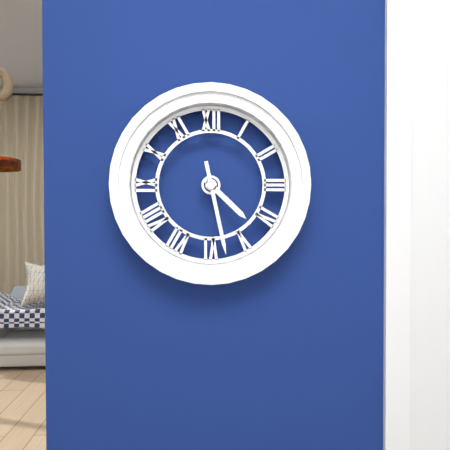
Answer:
4h28
